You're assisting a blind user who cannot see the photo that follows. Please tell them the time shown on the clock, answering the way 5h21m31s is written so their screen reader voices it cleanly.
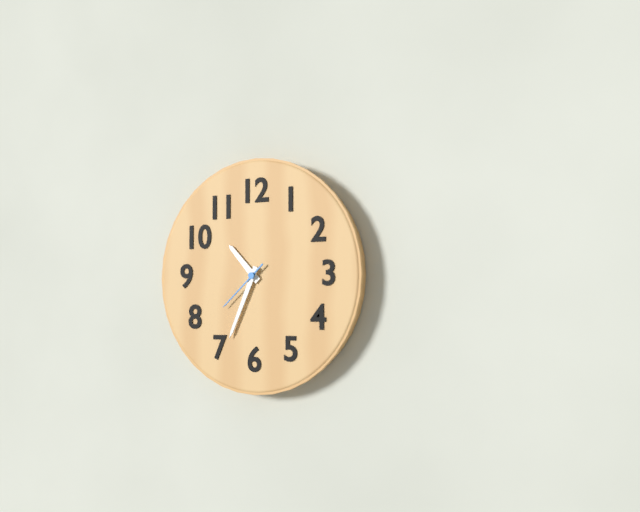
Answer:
10h34m38s
